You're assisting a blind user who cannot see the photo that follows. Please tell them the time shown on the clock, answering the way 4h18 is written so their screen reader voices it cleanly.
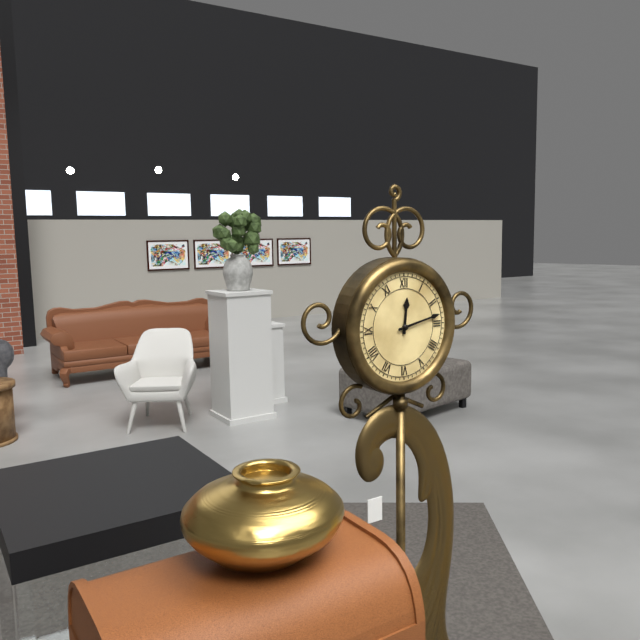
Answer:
12h13
